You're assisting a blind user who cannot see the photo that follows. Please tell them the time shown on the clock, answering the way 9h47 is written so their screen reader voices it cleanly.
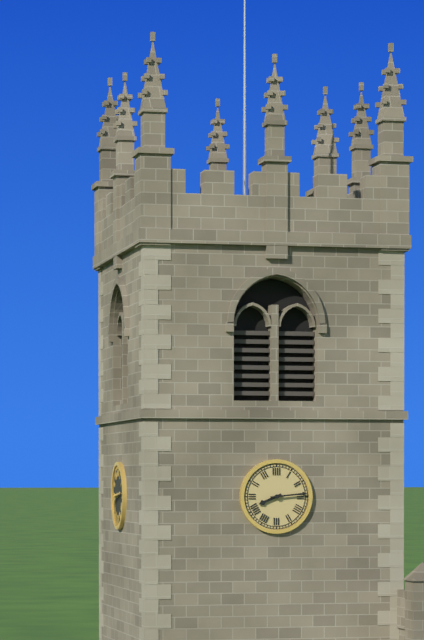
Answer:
8h14
